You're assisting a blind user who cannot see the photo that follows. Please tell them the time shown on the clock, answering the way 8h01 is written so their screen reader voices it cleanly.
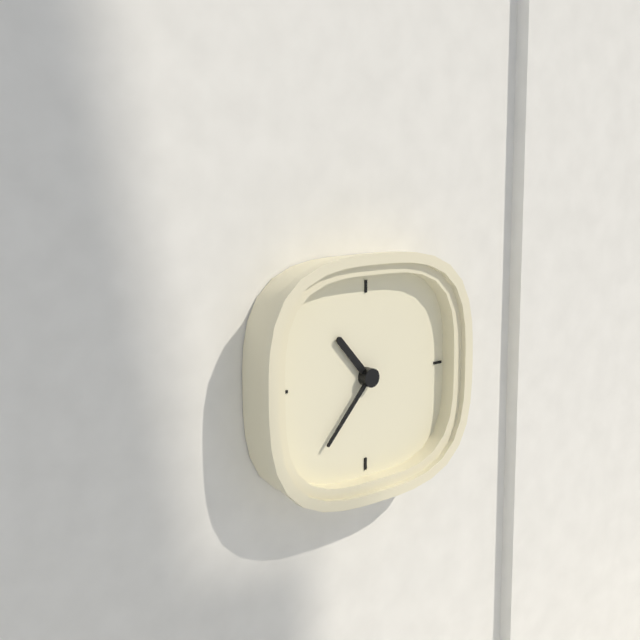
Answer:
10h37
